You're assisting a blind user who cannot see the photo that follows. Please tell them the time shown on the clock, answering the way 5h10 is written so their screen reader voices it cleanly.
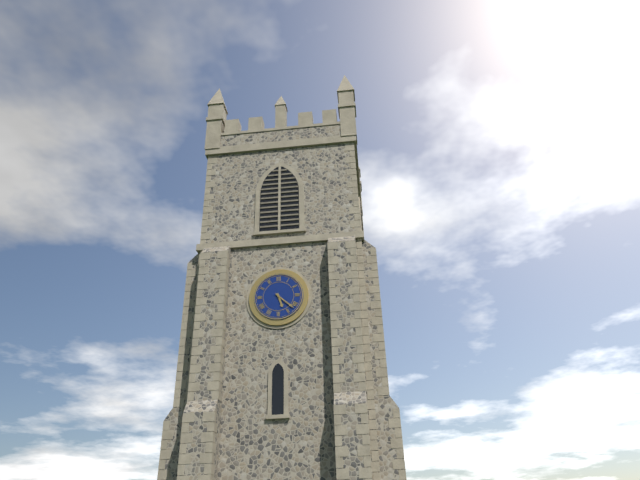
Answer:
5h22
